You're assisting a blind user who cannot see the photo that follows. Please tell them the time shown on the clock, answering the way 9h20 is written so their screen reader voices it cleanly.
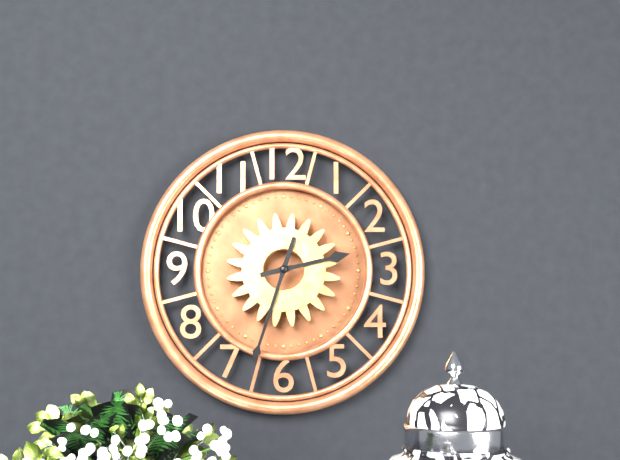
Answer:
2h33
